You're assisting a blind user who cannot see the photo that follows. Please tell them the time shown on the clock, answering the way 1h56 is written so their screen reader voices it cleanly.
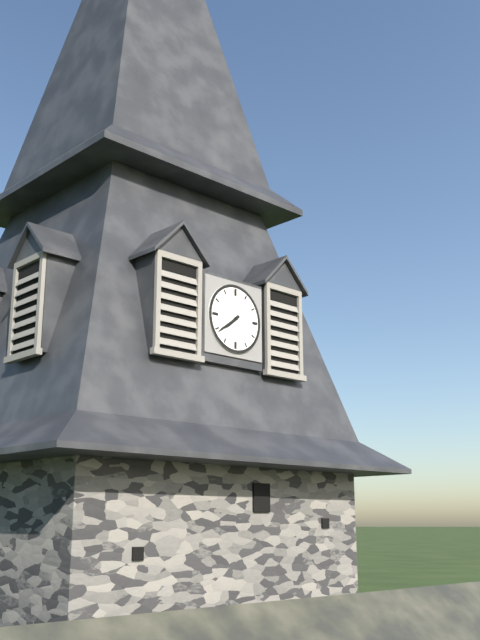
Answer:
7h39
